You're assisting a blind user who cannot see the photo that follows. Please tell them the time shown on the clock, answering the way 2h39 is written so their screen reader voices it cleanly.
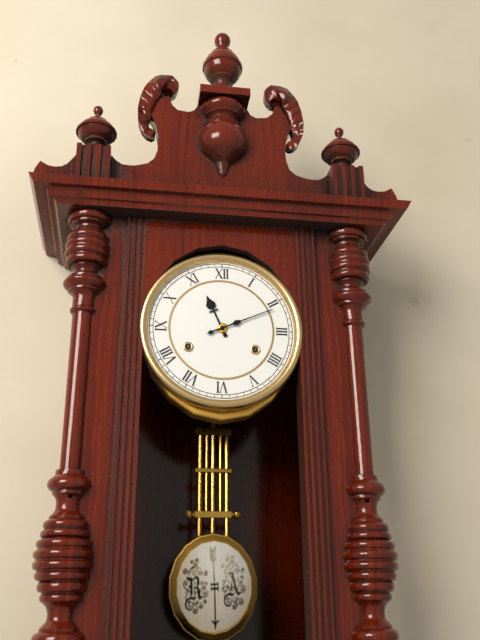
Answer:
11h11
